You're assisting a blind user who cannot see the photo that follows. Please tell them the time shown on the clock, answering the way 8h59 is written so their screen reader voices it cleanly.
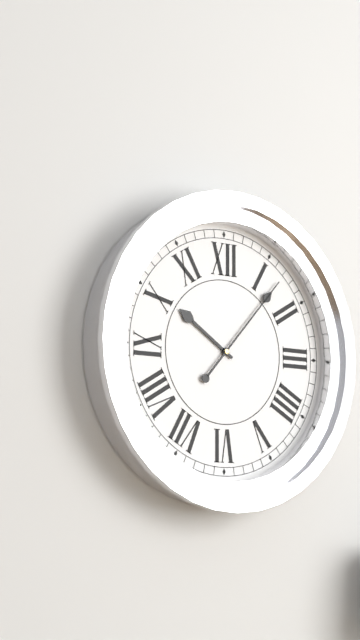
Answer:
10h07
